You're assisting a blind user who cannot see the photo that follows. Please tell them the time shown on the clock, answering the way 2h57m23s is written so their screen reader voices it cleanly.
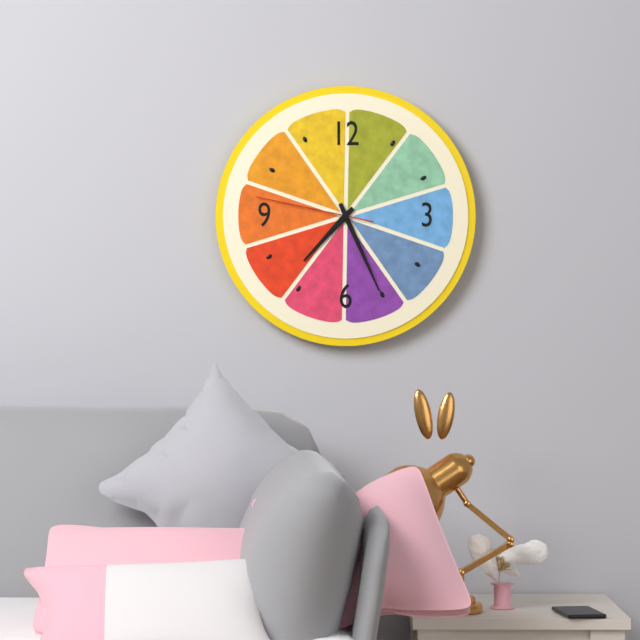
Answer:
7h26m47s
